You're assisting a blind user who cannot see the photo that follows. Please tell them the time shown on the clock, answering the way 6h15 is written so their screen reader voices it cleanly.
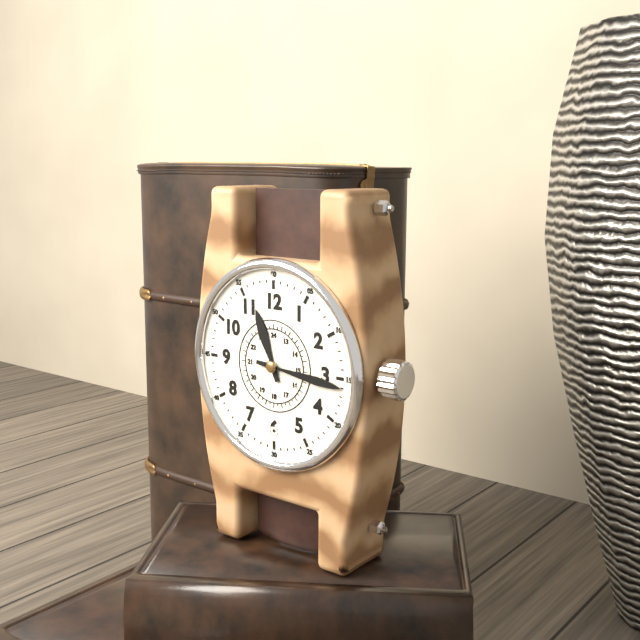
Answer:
11h16
